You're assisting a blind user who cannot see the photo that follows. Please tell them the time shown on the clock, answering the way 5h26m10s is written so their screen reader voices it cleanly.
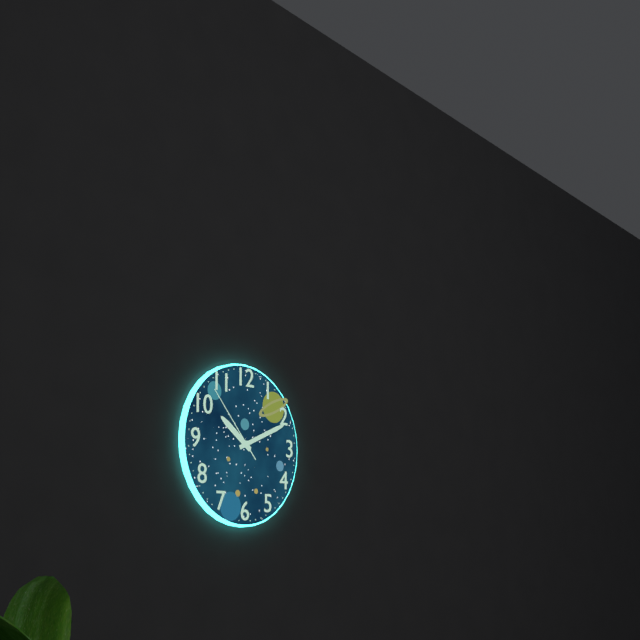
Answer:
10h11m53s
